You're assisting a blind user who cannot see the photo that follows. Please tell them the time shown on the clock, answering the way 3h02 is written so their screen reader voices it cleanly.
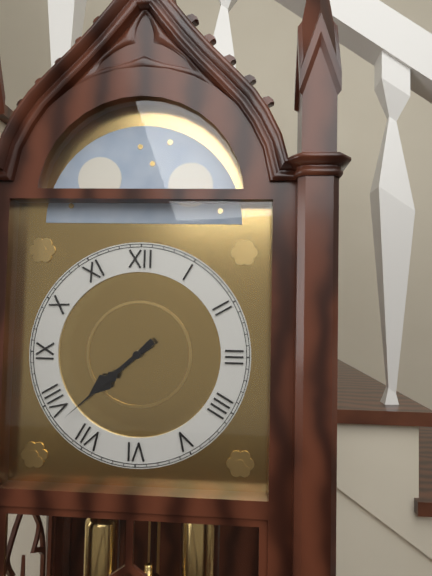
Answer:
7h38
